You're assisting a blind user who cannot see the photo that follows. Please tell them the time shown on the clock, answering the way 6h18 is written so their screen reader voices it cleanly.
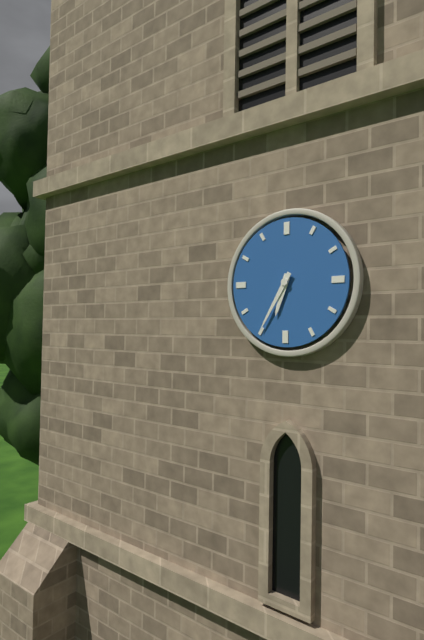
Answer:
6h35
